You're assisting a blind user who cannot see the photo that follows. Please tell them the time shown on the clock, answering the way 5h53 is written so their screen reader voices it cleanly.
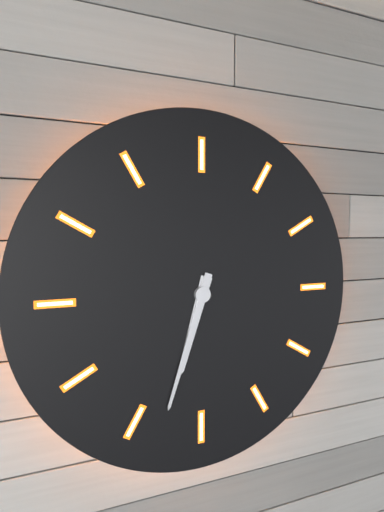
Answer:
6h33
